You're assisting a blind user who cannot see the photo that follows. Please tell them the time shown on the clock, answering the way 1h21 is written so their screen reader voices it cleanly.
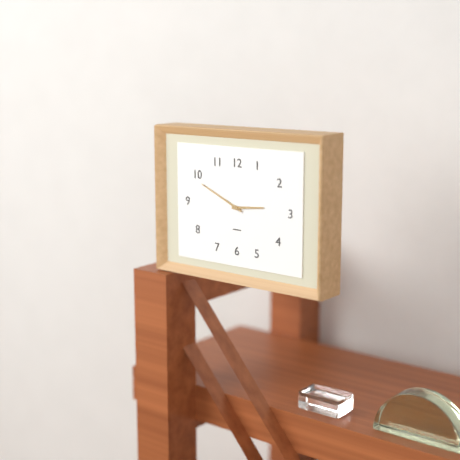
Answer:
2h49
